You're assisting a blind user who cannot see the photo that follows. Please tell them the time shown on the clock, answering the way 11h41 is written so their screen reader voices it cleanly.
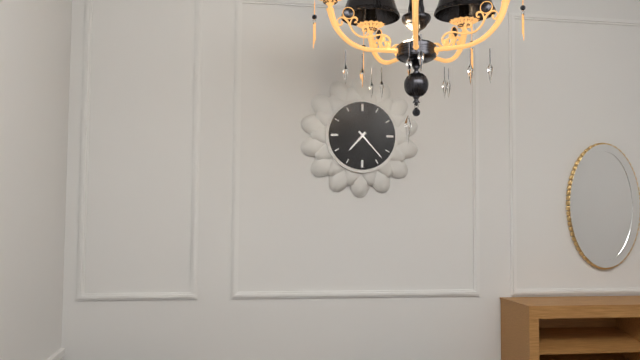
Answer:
7h23
